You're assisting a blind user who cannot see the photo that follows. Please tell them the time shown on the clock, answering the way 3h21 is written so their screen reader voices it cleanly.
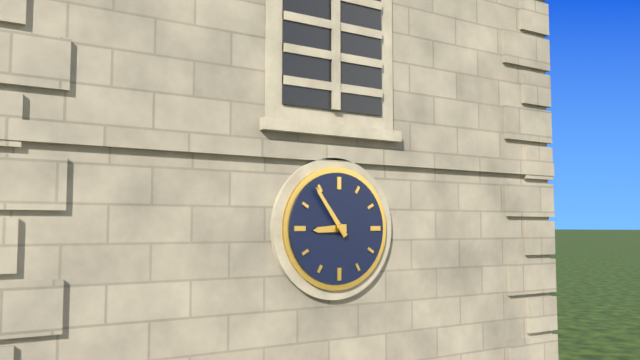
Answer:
8h54
